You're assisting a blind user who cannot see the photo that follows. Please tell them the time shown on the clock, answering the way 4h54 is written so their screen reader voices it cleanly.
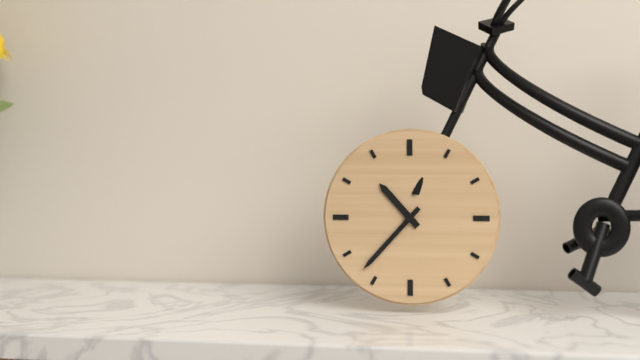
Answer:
10h37
